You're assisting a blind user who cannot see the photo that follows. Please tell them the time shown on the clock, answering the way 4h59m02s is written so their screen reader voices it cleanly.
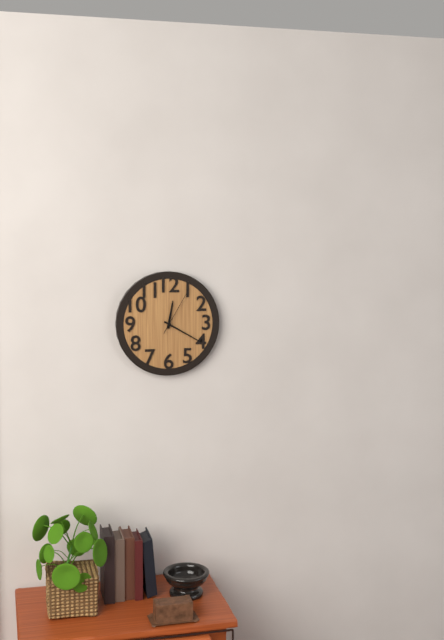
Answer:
12h20m05s
